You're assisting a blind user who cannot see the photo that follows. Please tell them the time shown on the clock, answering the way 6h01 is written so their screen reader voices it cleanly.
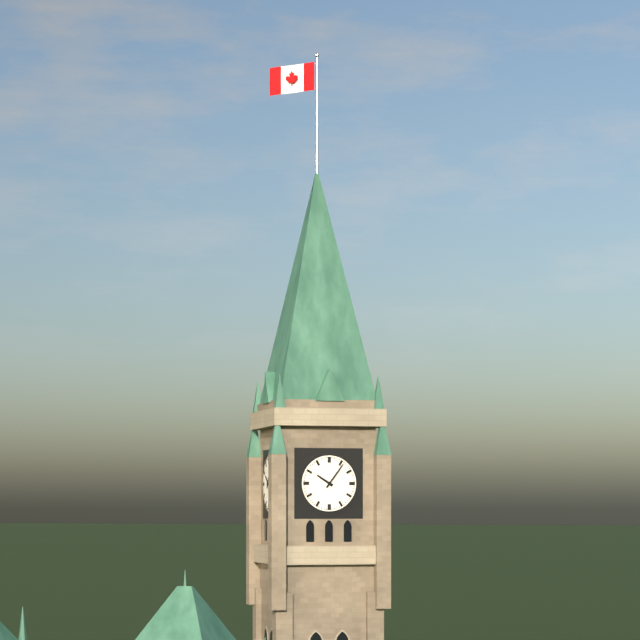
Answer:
10h06
